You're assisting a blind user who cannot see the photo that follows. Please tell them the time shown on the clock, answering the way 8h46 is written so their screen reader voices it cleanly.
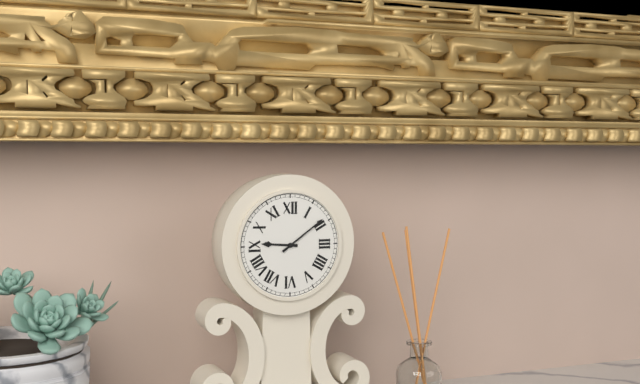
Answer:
9h09
